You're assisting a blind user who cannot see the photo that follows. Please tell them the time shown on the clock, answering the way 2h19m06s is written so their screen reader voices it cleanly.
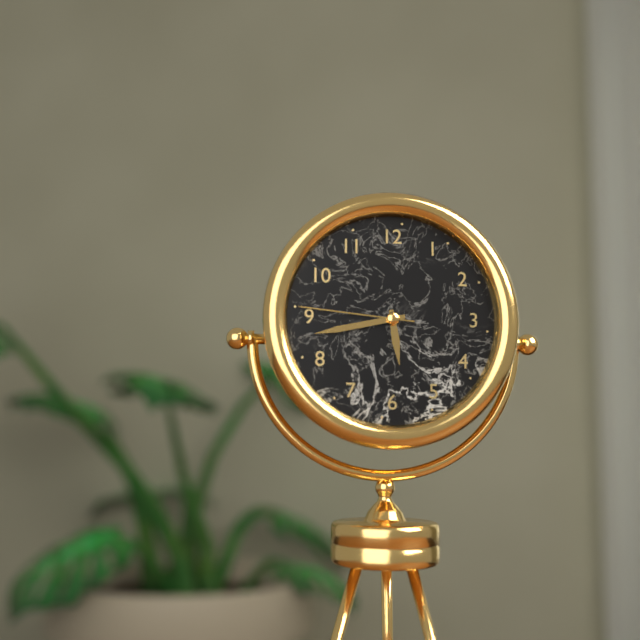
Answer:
5h43m46s
